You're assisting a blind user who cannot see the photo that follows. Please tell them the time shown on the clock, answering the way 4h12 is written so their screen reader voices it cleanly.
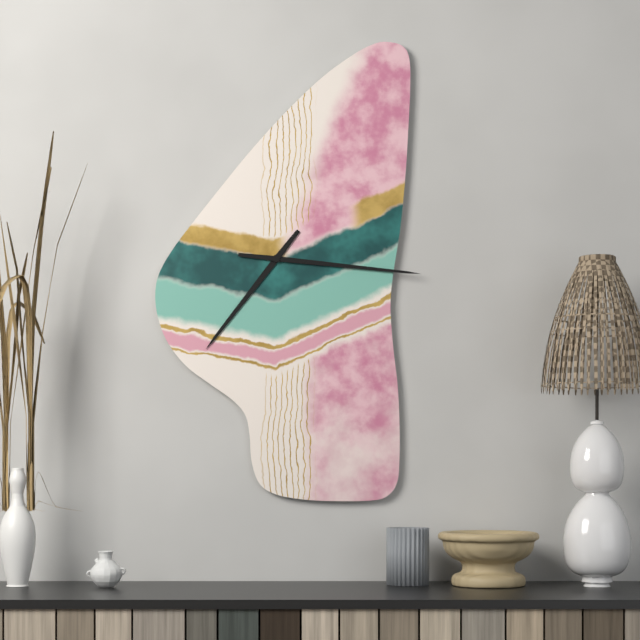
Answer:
7h16
